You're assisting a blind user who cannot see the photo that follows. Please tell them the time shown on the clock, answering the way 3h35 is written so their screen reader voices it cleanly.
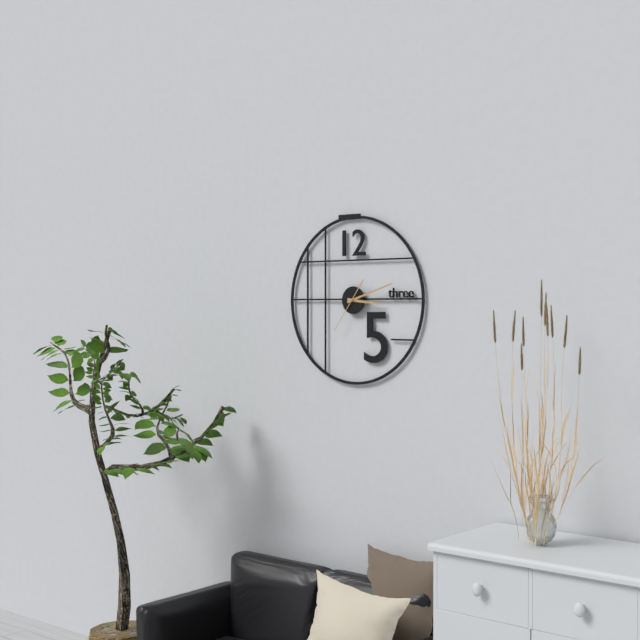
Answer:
3h12
